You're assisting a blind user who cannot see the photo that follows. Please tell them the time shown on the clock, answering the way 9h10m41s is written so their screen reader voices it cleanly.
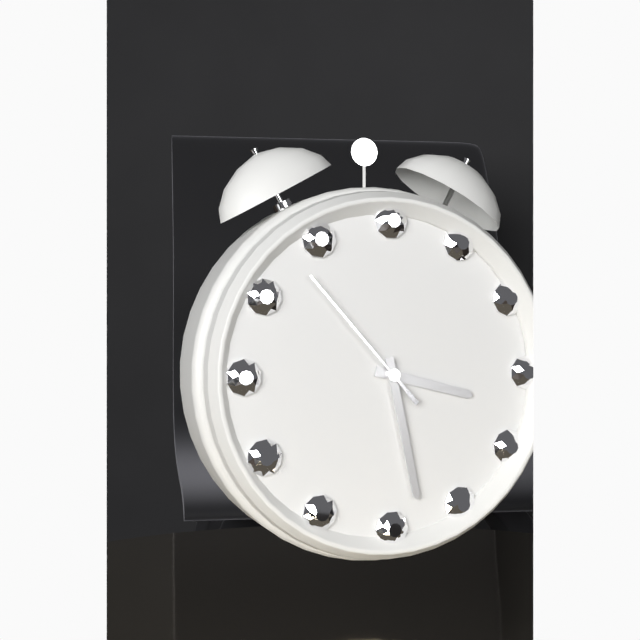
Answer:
3h28m53s
